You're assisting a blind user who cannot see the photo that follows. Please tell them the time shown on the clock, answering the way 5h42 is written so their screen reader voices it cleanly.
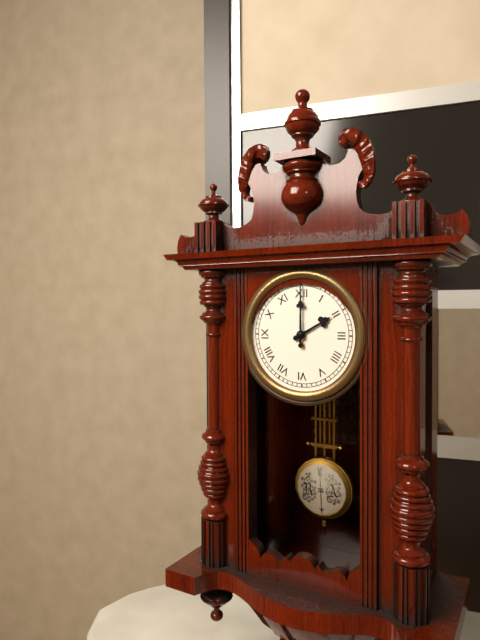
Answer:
2h00
